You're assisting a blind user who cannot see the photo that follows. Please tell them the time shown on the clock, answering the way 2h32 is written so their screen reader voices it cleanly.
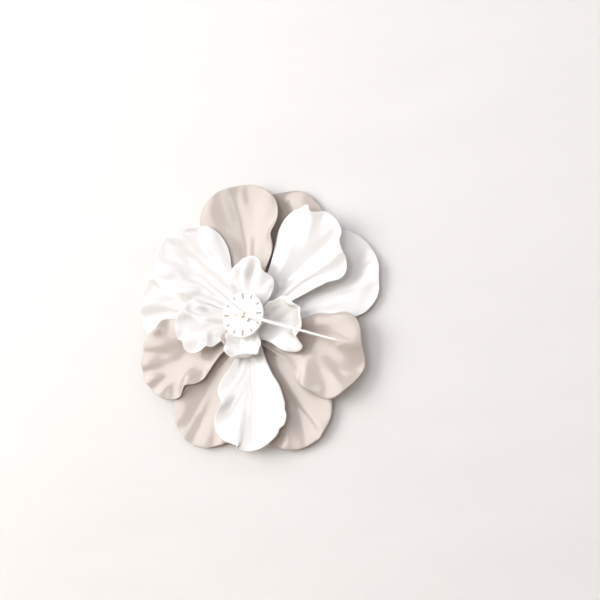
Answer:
10h18
